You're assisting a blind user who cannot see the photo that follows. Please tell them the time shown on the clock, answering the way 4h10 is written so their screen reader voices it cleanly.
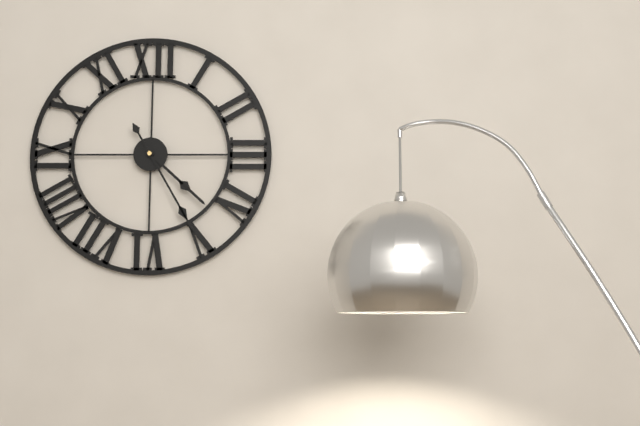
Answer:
4h25
